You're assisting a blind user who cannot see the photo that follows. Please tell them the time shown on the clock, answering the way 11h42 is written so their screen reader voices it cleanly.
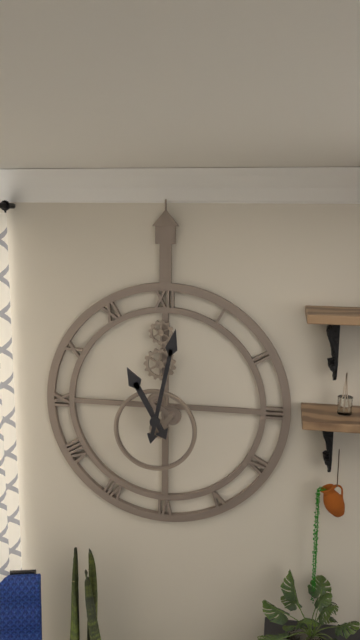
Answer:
11h02
